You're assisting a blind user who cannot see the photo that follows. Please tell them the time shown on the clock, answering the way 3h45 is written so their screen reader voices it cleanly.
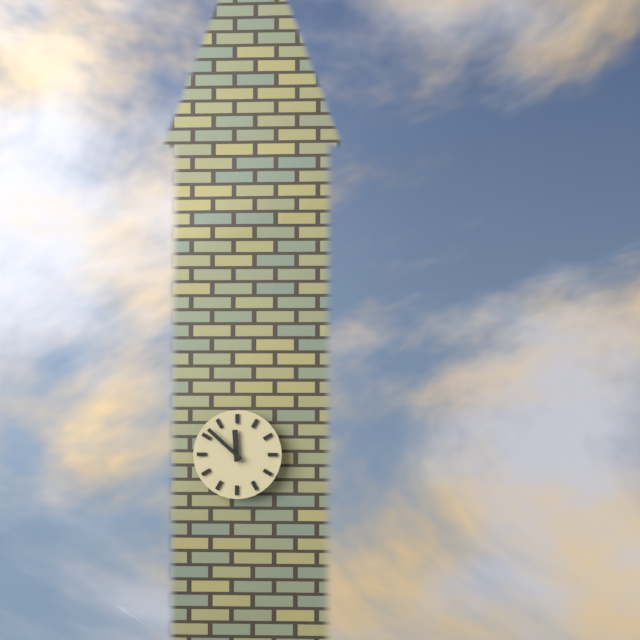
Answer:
11h52
